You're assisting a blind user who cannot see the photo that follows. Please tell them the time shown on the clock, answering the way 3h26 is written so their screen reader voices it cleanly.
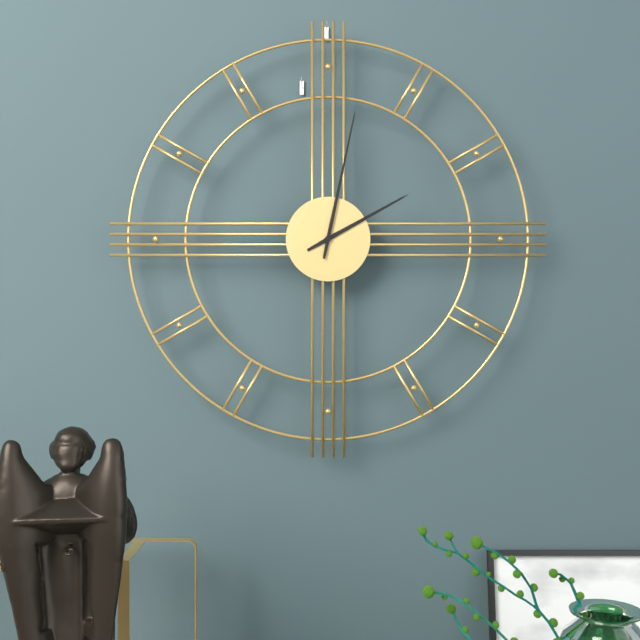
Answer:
2h02
